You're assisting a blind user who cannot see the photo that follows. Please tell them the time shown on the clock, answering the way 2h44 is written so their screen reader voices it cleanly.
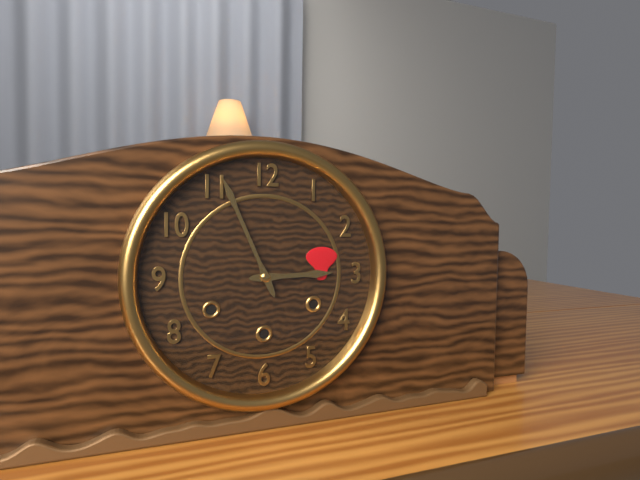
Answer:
2h56
